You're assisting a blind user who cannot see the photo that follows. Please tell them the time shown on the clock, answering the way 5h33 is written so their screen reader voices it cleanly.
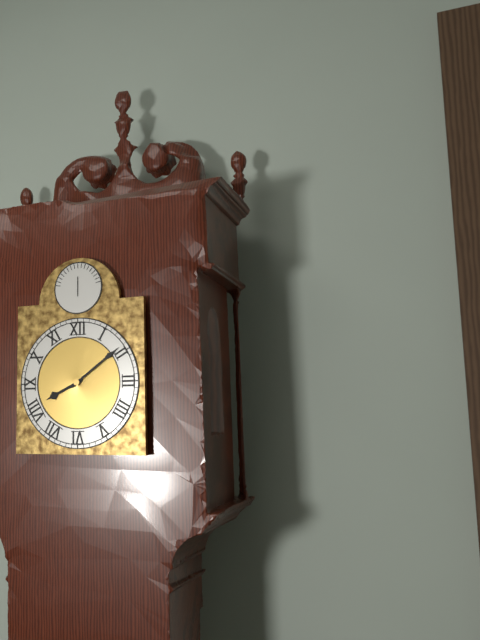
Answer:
8h09
